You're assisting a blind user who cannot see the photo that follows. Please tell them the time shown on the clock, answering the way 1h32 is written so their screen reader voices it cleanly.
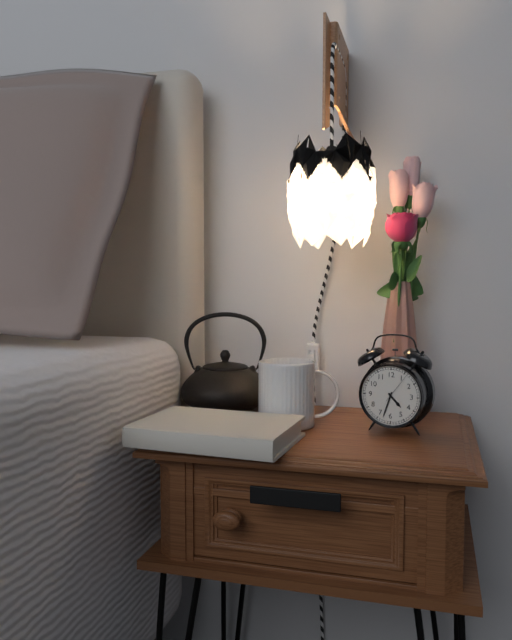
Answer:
4h33
